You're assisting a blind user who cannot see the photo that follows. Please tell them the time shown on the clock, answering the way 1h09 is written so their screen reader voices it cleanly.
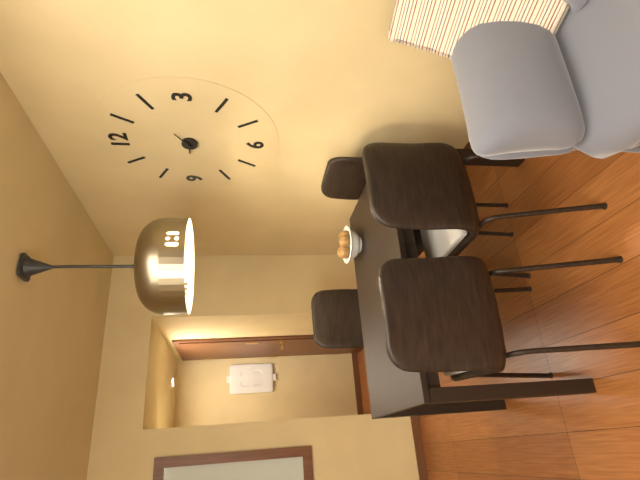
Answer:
9h09
